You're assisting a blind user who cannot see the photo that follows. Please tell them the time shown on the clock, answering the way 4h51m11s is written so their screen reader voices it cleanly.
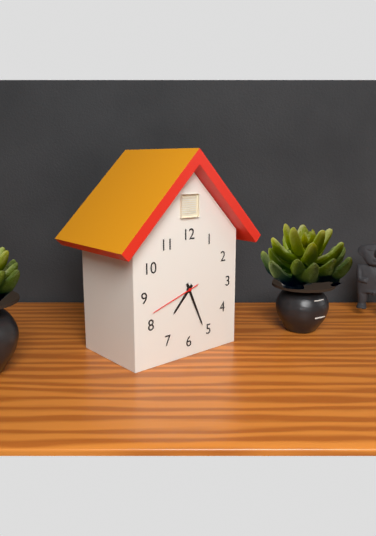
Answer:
7h26m42s
